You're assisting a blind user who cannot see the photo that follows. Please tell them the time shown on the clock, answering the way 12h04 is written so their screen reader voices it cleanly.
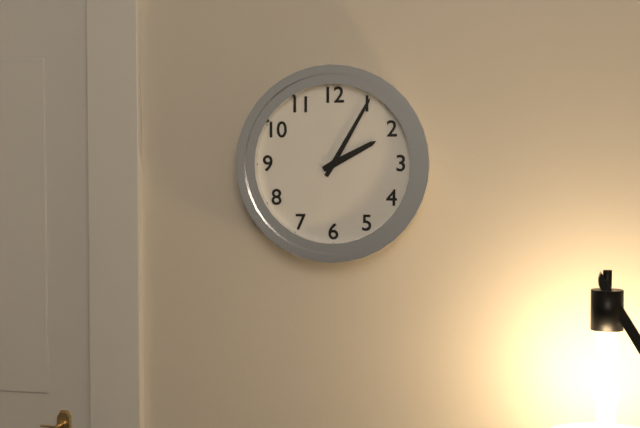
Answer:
2h05
